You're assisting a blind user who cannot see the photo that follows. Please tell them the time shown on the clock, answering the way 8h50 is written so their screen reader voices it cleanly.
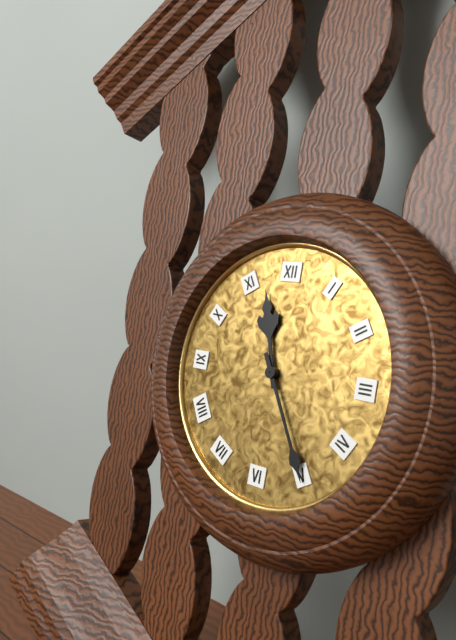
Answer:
11h25
